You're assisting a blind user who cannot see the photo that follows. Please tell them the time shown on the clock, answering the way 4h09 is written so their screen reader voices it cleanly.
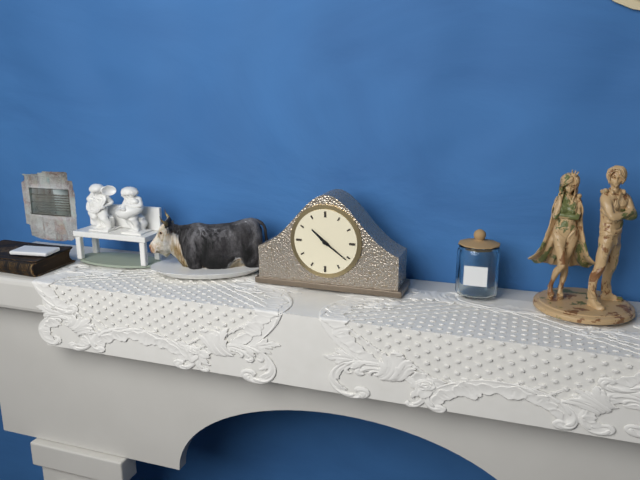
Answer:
10h21
